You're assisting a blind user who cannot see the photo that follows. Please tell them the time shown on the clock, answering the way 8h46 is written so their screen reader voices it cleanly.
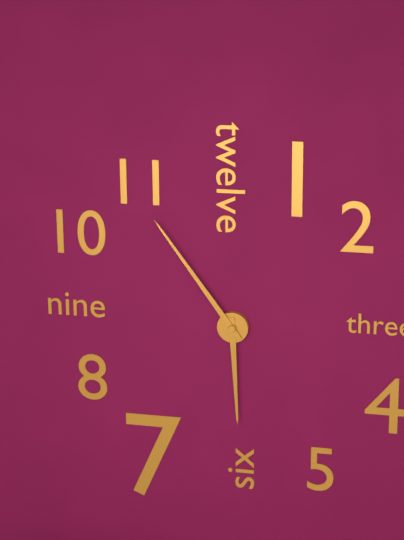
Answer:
5h54
